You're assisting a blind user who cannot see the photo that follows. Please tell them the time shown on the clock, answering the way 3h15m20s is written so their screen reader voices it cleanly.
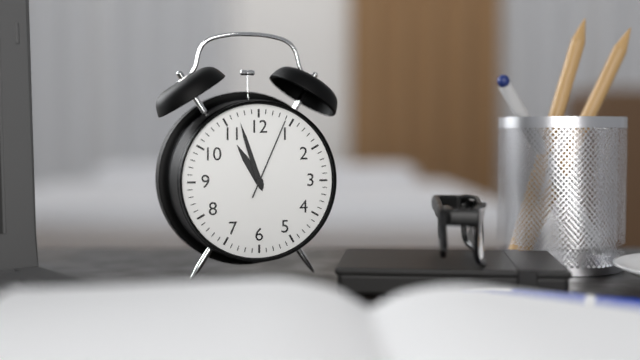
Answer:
10h57m04s
